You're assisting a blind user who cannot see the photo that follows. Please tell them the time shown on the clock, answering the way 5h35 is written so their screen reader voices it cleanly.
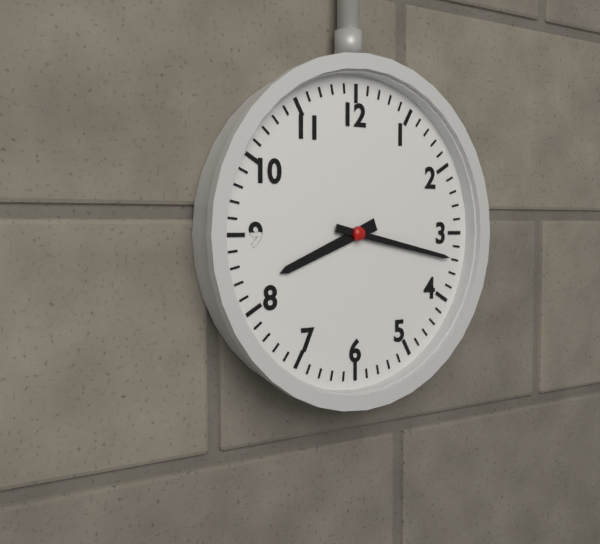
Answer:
8h17
